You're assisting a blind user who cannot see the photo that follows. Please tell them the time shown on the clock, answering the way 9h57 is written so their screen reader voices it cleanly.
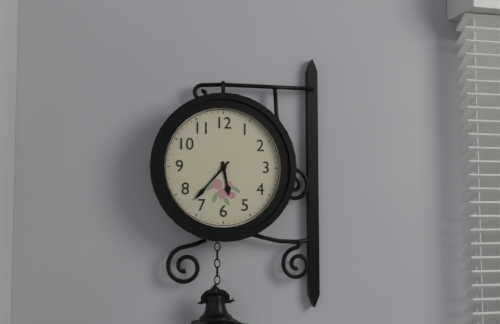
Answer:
5h37
